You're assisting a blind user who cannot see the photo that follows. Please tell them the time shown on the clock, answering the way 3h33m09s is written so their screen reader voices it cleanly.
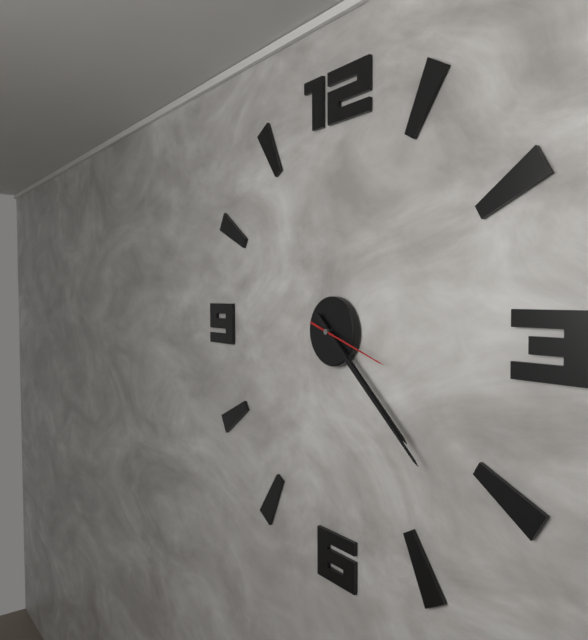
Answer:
4h22m18s
